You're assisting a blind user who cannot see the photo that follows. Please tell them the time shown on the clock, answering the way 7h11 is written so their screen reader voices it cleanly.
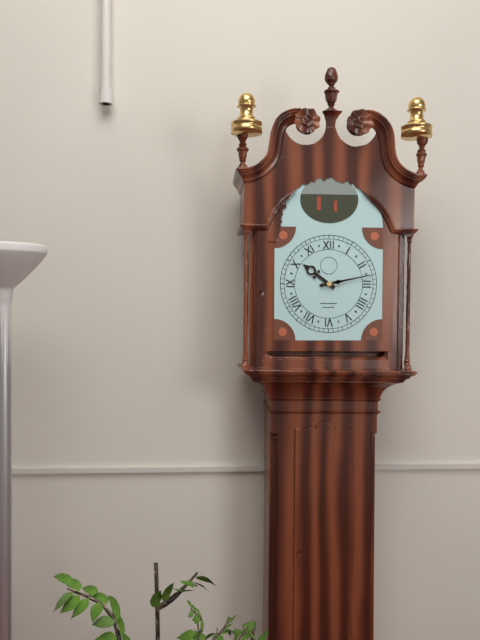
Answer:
10h13
